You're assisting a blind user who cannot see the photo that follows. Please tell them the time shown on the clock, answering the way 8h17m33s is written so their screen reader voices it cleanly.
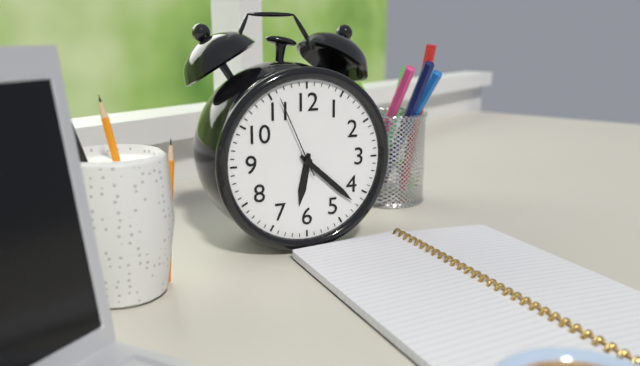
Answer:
6h22m56s
